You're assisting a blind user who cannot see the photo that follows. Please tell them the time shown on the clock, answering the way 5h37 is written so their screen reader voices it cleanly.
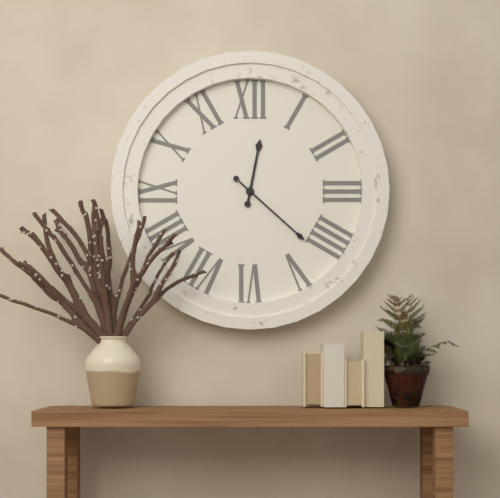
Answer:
12h22
